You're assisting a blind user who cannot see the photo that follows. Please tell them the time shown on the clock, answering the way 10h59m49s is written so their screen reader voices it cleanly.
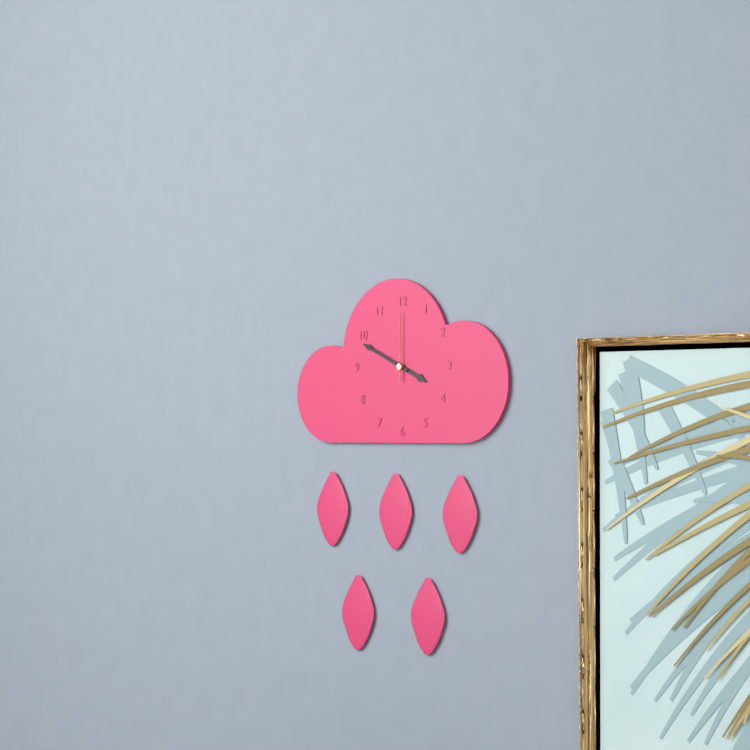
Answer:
3h49m00s
